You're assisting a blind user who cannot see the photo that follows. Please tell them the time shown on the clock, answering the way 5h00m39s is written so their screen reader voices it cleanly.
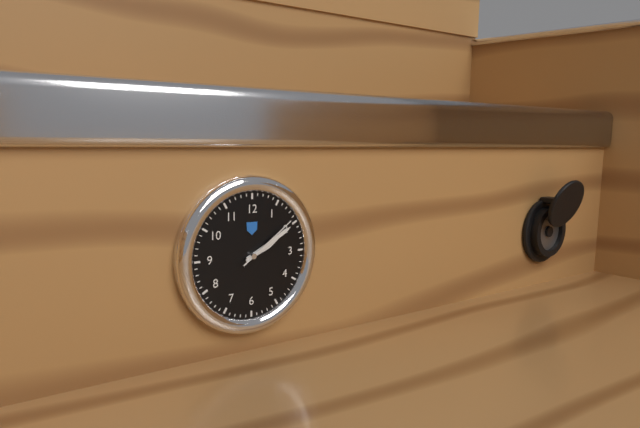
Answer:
2h10m09s
